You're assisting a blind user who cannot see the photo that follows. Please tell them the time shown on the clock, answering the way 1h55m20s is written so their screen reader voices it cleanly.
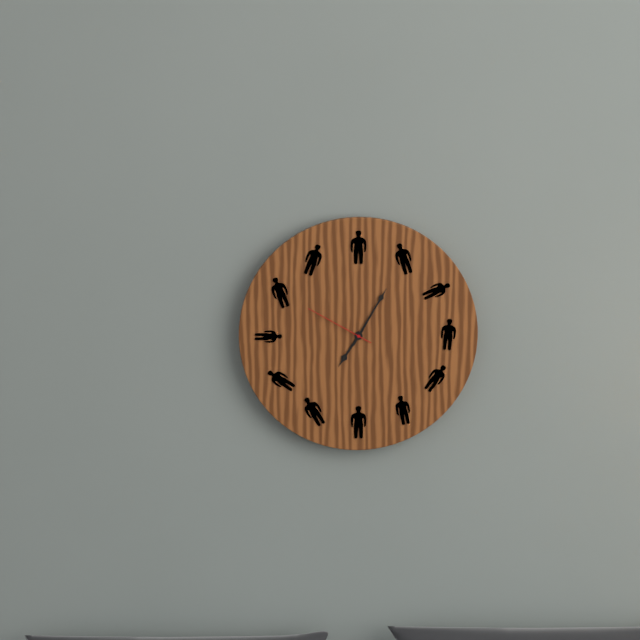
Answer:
7h05m50s
